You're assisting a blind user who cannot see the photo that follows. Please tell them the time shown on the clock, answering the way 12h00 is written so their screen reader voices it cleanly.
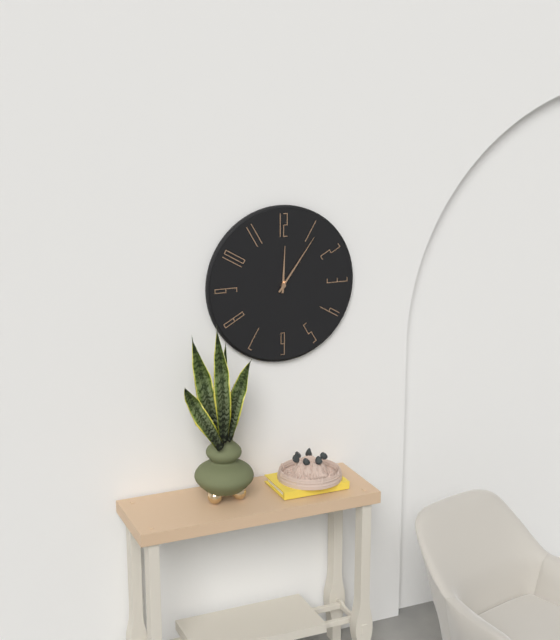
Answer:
12h06
